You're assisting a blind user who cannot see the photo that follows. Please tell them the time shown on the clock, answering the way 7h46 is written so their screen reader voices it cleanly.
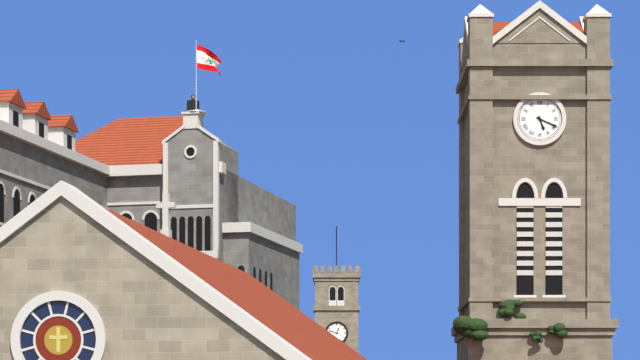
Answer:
5h19
